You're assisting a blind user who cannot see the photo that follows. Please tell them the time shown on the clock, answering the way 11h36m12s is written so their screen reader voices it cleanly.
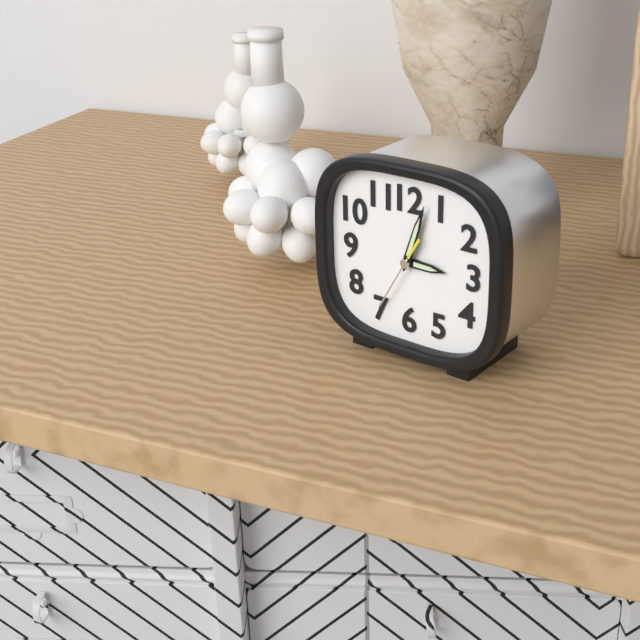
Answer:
3h03m35s
